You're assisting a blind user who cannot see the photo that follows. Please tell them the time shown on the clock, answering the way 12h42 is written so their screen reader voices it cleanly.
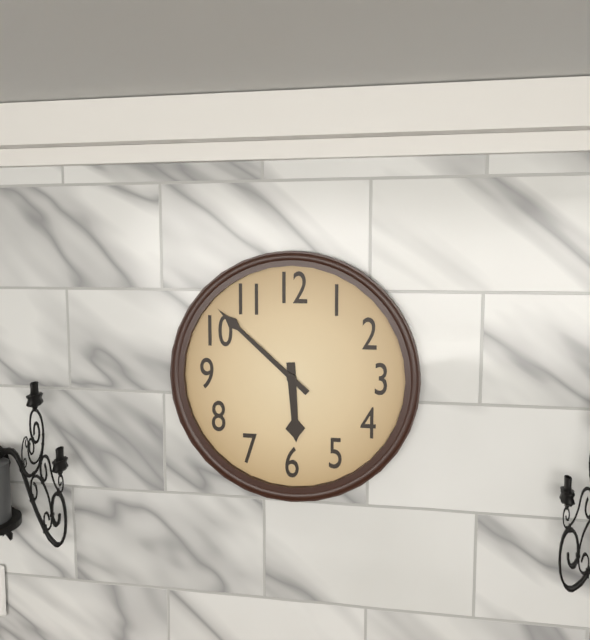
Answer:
5h52
